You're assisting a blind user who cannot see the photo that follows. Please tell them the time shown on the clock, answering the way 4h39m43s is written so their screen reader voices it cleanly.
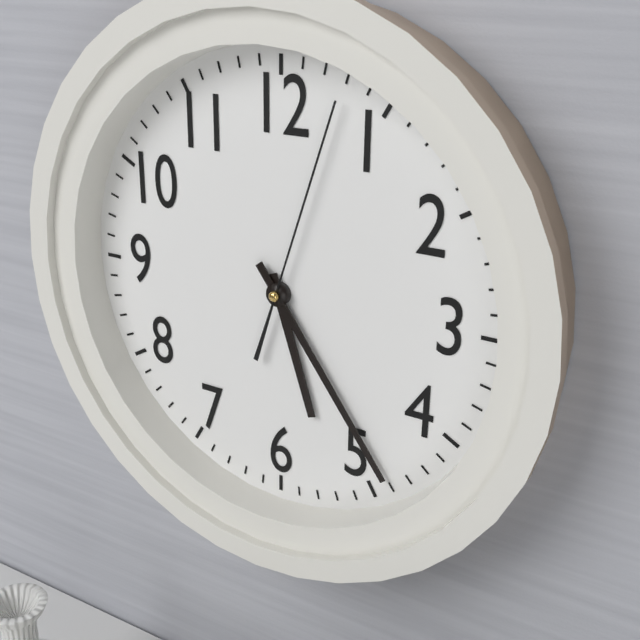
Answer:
5h24m03s
